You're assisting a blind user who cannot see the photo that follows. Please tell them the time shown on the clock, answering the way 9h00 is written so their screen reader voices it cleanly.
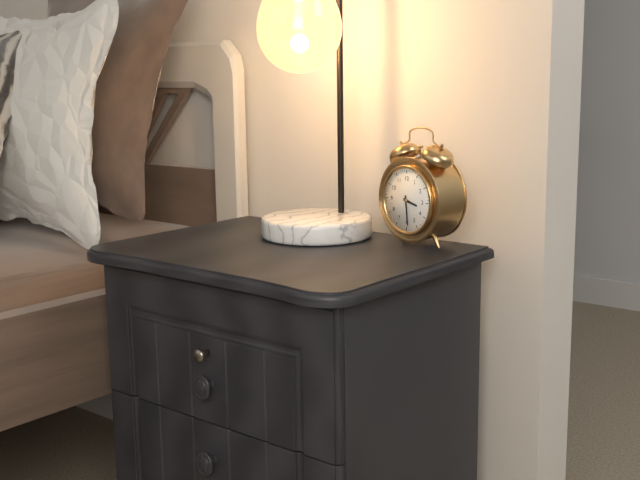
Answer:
3h29
